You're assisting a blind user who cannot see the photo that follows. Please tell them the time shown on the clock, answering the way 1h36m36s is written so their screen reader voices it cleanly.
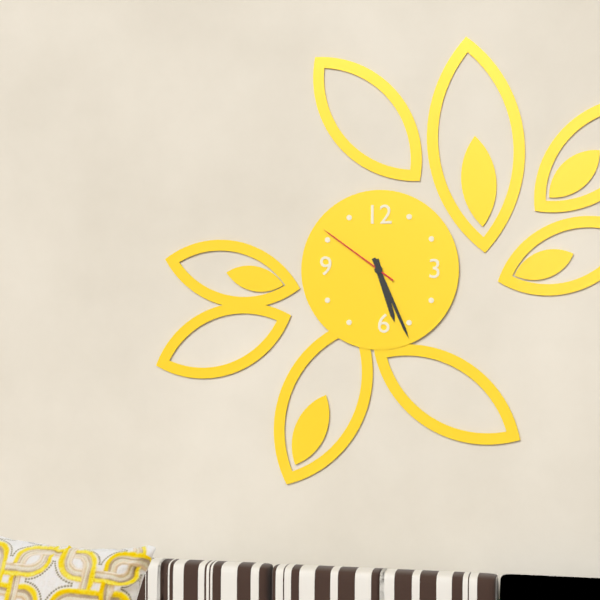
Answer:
5h26m51s
